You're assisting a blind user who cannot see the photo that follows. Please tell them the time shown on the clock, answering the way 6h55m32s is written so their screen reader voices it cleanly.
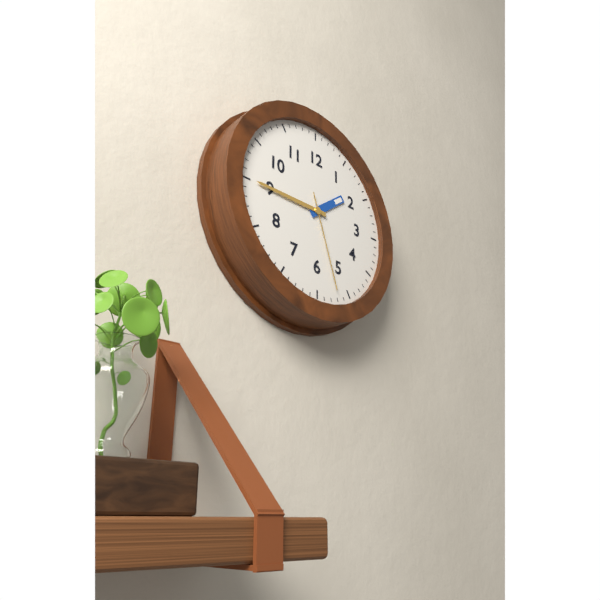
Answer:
1h45m27s
